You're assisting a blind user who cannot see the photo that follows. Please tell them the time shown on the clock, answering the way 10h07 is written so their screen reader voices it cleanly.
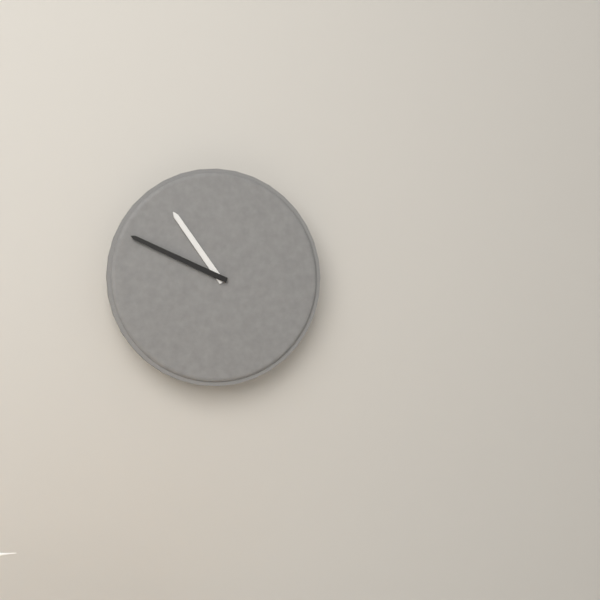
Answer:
10h49
